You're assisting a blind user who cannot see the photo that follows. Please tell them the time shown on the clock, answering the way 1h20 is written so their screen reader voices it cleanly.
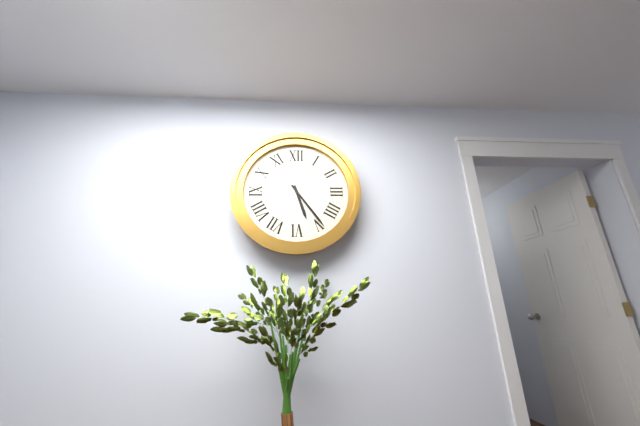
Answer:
5h24
